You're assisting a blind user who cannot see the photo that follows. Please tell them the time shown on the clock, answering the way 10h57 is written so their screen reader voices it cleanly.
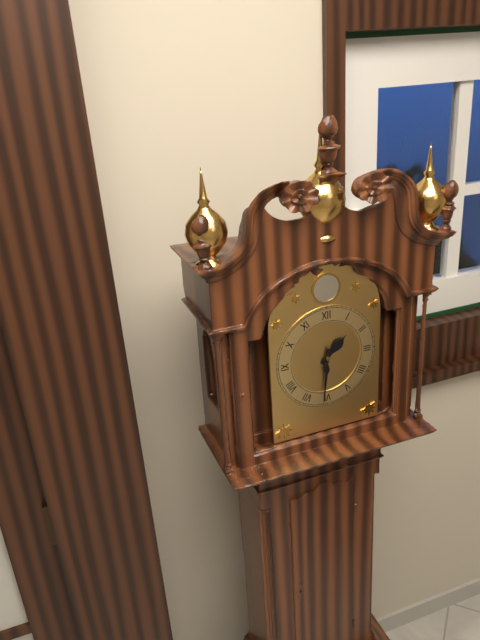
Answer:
1h31
